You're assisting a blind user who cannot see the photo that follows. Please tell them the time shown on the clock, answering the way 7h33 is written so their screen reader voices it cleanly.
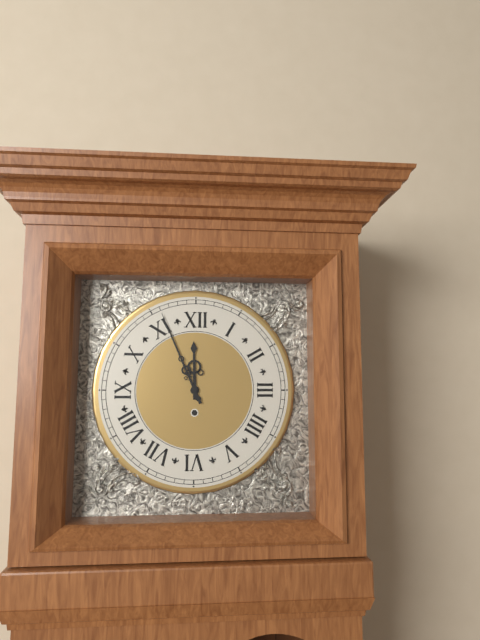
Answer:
11h56
